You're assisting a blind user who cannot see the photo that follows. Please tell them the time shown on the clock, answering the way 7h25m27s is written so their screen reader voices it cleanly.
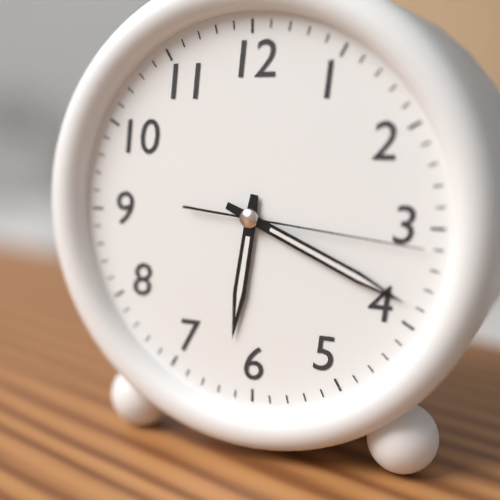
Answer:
6h19m16s
